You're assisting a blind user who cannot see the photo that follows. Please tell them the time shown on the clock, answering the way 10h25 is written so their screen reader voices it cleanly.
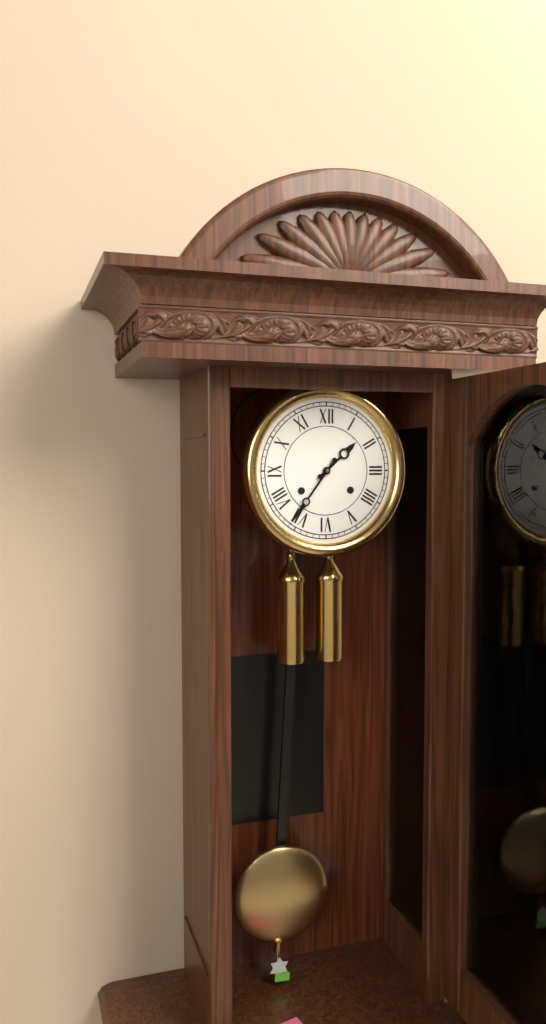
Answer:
1h36
